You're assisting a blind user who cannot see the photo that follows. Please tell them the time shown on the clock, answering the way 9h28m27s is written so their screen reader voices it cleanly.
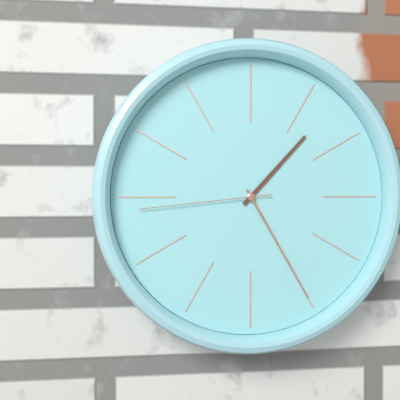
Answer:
1h25m44s
